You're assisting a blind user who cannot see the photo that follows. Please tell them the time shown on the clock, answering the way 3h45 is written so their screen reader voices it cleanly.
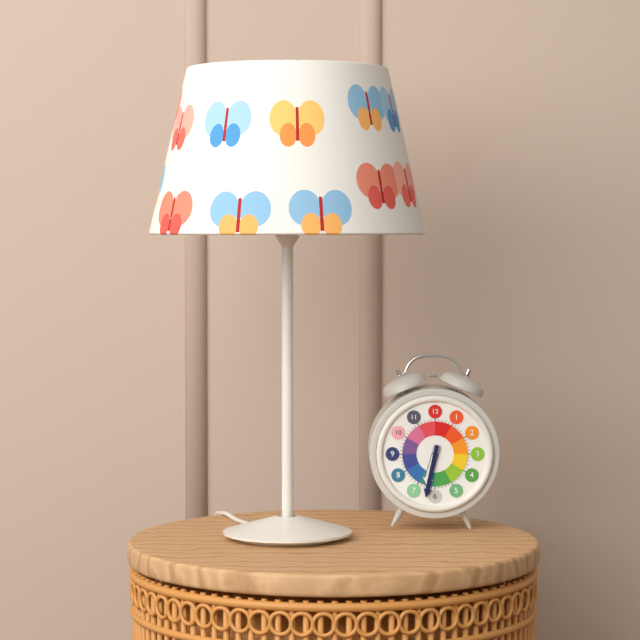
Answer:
6h32
